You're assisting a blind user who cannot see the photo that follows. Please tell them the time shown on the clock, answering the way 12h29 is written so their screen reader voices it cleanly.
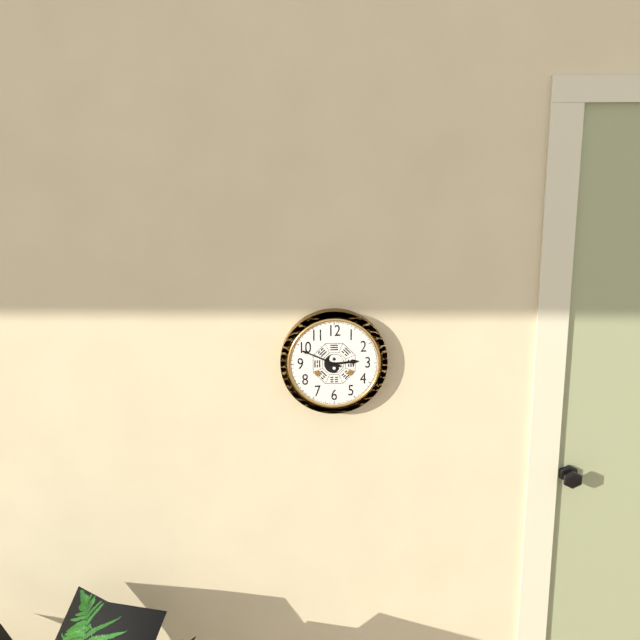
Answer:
2h49
